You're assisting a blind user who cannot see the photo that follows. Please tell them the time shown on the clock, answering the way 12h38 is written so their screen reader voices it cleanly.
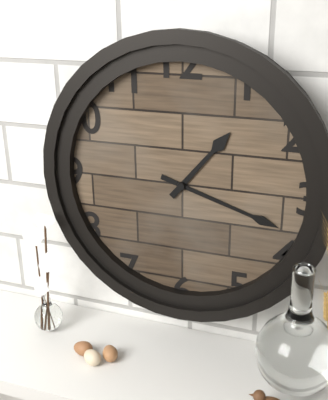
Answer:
1h18
